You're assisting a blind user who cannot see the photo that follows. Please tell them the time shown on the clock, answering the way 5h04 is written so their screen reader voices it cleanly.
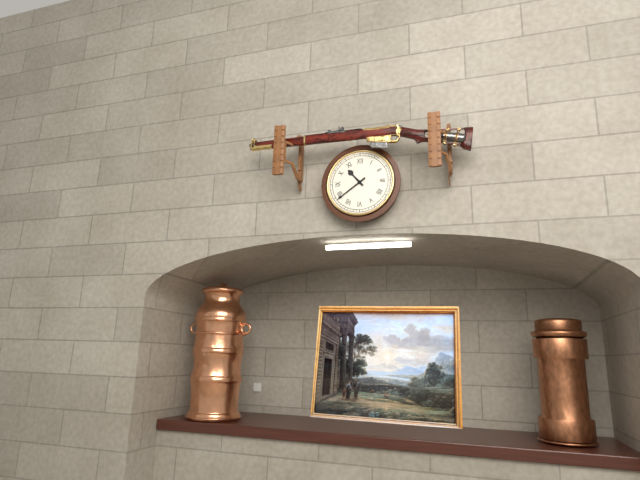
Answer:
10h39
